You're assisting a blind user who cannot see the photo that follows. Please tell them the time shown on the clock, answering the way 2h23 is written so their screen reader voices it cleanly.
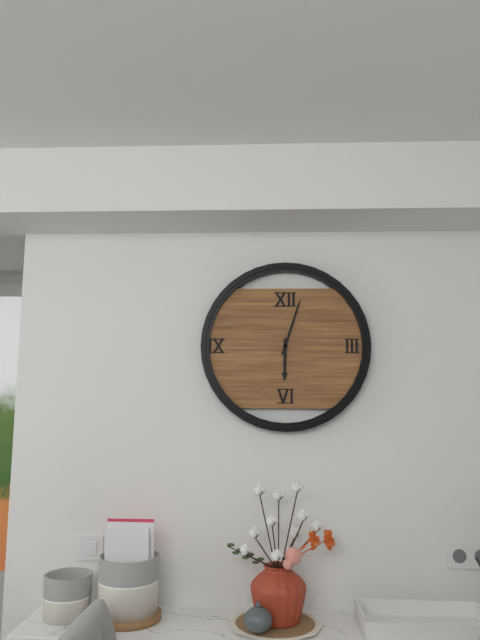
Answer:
6h03
